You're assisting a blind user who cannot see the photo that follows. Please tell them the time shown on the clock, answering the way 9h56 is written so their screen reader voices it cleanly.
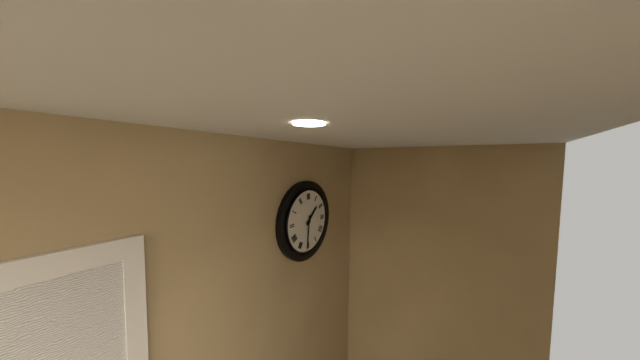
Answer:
1h31
